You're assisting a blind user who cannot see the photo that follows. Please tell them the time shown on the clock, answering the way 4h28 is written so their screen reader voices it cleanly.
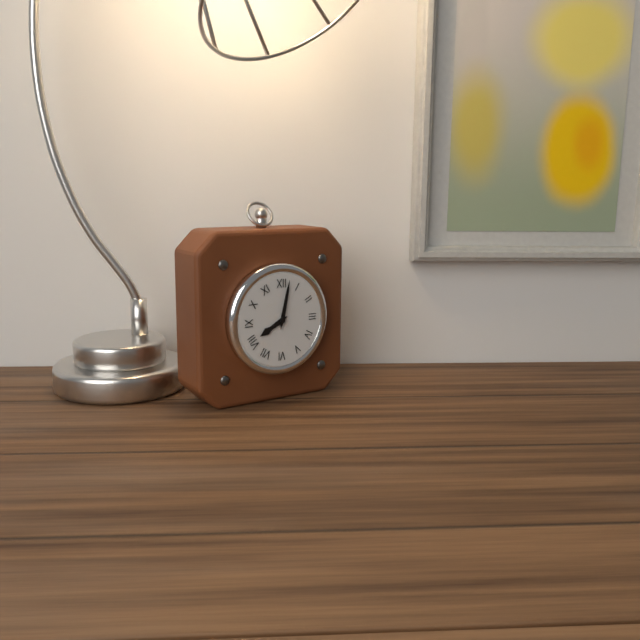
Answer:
8h02
